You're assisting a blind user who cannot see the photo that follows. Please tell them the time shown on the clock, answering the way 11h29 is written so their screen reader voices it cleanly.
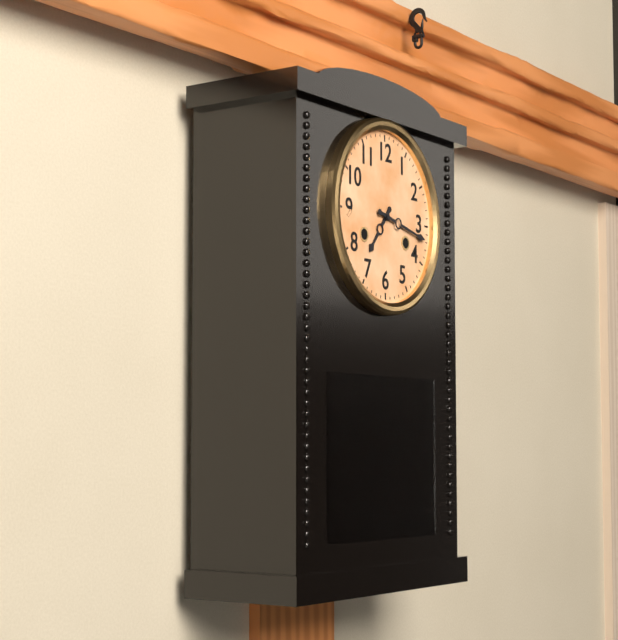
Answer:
7h17
